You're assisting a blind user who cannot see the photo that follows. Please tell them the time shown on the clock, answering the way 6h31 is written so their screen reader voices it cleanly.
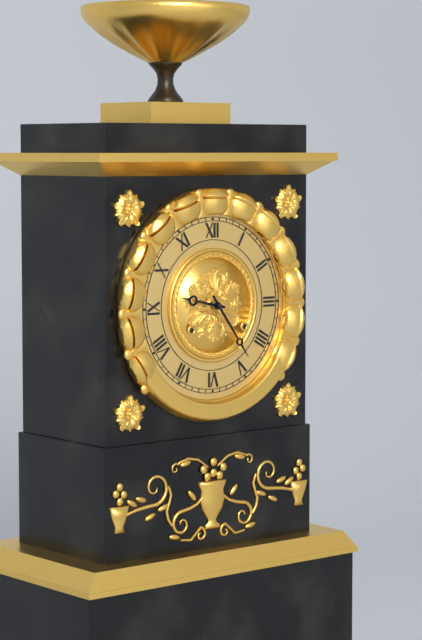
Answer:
9h24
